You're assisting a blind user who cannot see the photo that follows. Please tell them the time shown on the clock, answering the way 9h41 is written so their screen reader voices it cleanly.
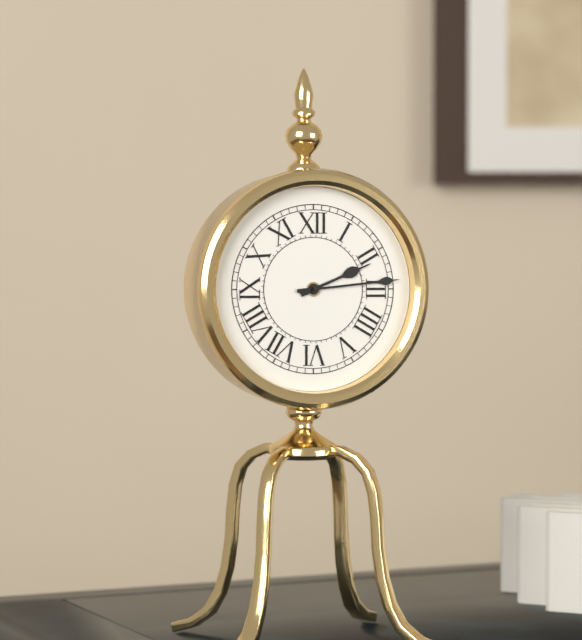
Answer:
2h14
